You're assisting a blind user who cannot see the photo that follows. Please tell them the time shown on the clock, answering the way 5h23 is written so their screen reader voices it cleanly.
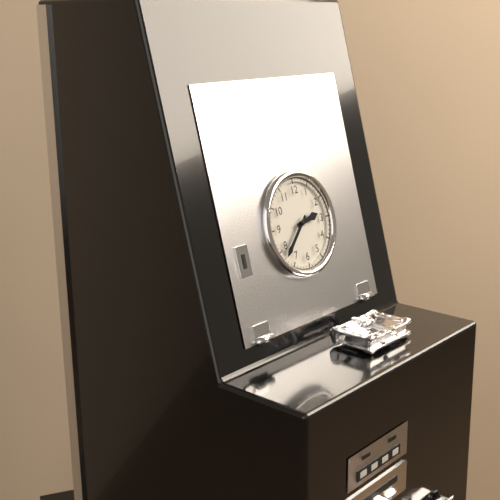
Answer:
2h38
